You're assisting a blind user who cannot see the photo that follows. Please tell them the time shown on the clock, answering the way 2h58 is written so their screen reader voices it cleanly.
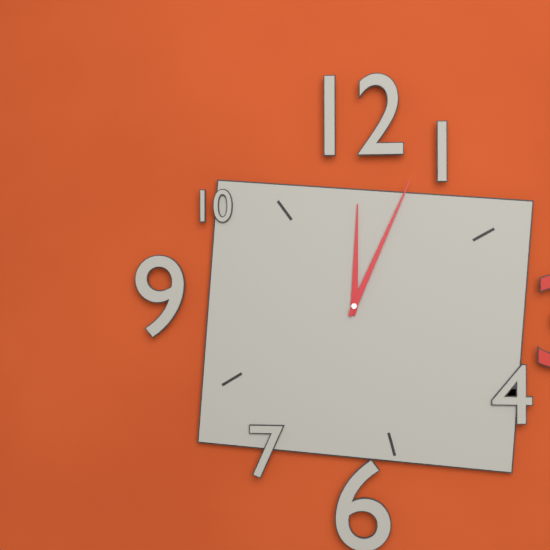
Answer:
12h04
